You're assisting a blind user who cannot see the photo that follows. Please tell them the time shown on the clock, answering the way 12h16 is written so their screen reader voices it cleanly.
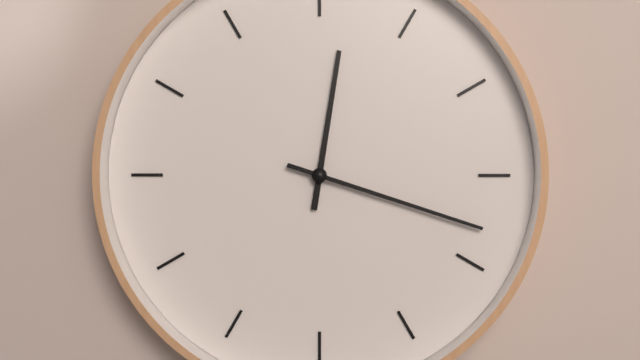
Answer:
12h18
